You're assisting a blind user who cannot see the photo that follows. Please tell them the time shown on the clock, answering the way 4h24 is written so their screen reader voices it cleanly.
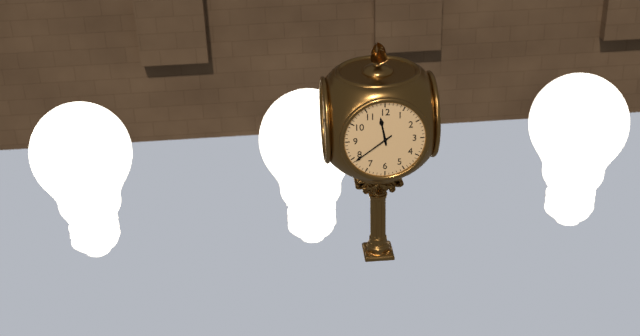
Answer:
11h39
